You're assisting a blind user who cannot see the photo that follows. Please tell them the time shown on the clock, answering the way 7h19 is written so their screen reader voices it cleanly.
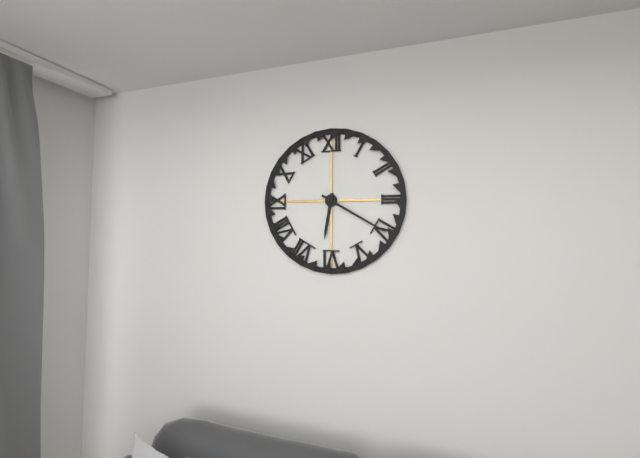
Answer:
6h20
